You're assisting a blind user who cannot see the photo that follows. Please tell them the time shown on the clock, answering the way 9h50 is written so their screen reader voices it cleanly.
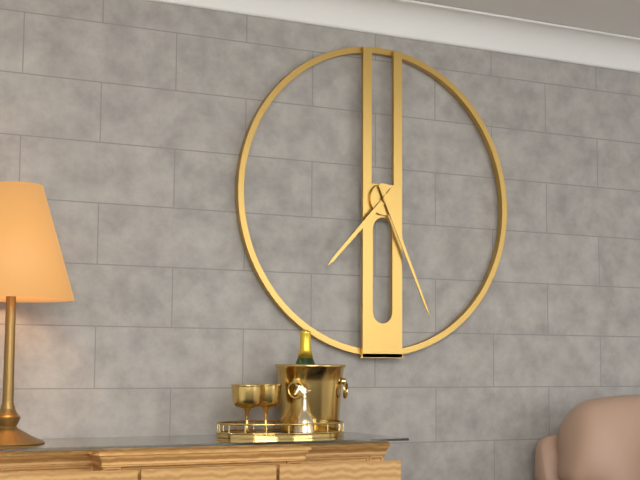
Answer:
7h26
